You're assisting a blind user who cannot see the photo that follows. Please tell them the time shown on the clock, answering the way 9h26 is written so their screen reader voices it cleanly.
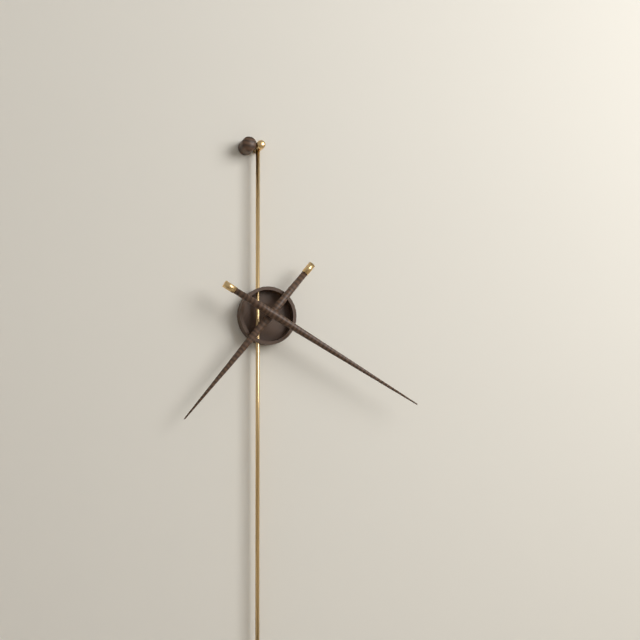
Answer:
7h20
